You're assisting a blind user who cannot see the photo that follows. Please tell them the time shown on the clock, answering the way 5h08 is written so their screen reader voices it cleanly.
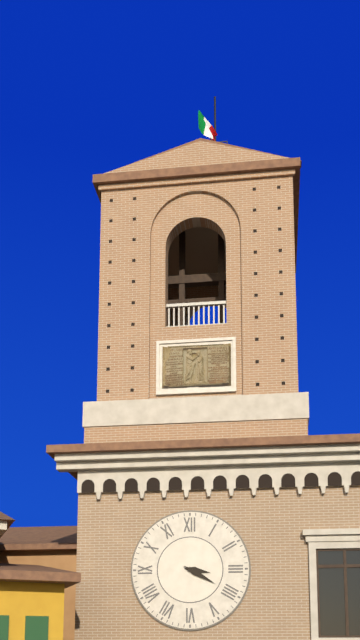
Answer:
3h20
